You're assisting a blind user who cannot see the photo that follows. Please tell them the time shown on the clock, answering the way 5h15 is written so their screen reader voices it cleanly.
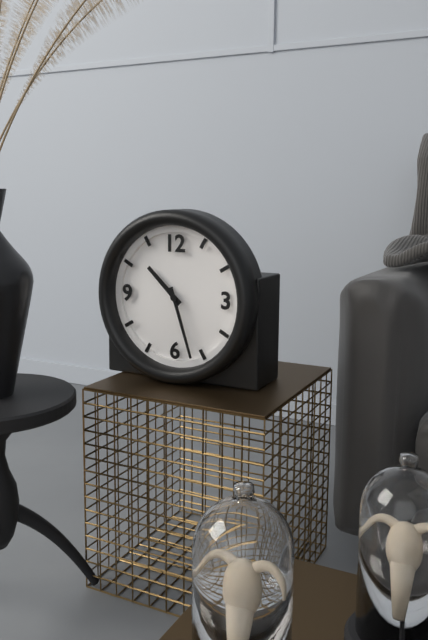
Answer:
10h27
